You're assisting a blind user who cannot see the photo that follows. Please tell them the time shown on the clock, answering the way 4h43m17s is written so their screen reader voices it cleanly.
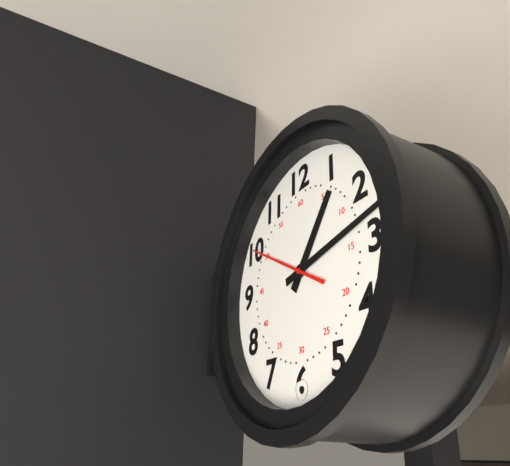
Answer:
1h13m50s
